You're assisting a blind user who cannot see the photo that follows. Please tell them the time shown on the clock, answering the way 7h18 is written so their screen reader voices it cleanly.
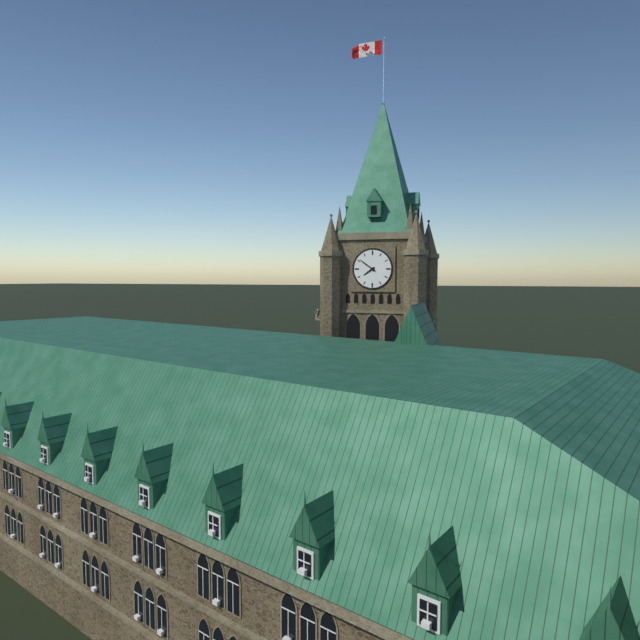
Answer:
7h51
